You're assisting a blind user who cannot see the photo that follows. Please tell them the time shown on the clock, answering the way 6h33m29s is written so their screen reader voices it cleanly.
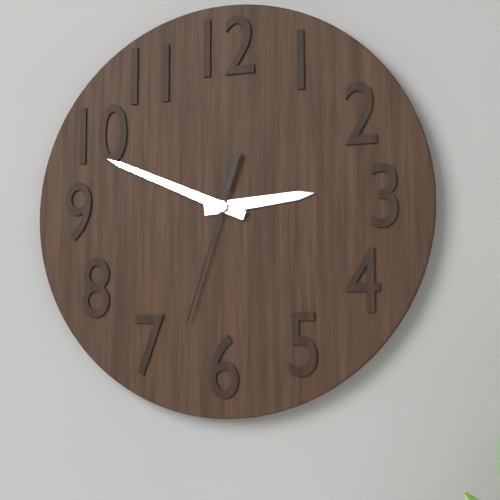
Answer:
2h49m33s
